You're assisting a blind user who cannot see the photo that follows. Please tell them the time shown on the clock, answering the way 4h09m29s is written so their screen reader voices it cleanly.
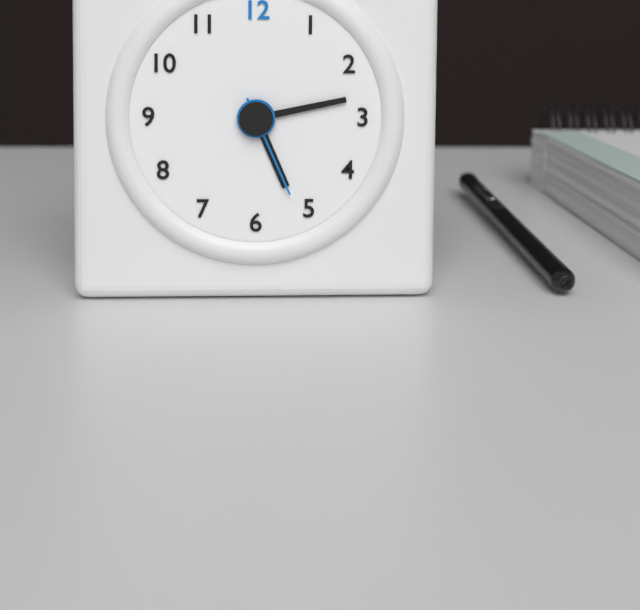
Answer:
5h13m26s
